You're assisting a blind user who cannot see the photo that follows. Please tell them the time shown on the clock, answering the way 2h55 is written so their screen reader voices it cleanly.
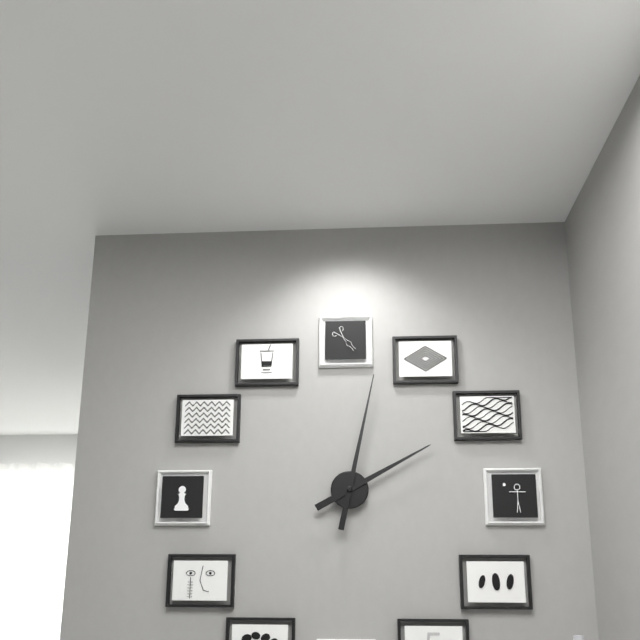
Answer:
2h02
